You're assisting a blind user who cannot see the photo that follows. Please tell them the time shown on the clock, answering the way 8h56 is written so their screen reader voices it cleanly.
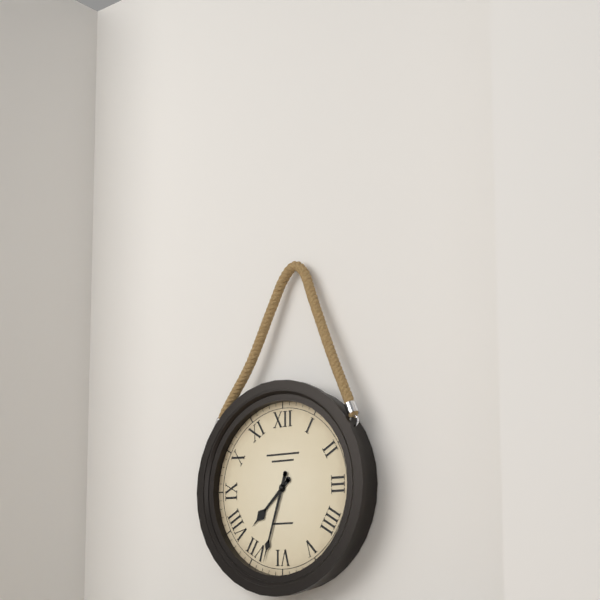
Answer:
7h33
